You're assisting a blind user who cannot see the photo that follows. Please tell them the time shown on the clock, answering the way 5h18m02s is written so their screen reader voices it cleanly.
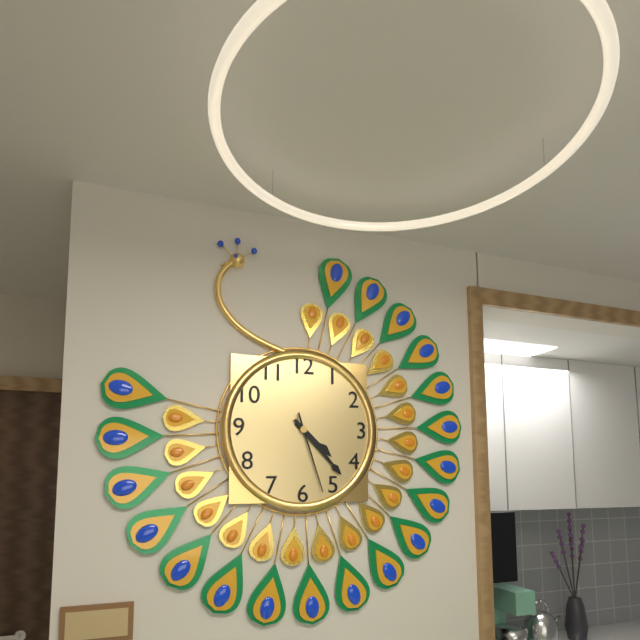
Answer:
4h23m27s
